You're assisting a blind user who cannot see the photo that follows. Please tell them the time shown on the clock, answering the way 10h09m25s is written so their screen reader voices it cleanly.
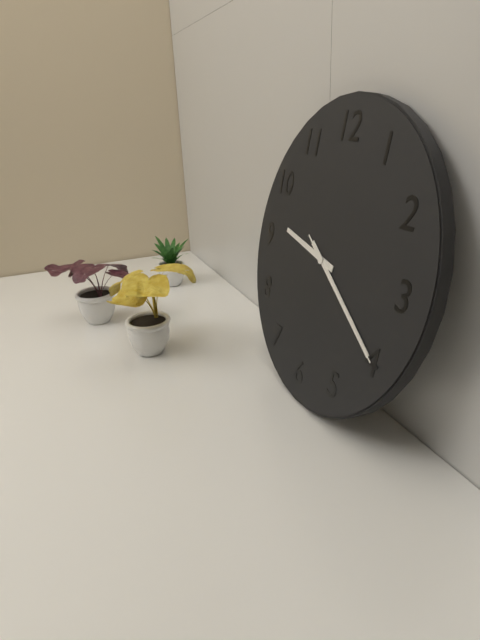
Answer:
9h20m20s
